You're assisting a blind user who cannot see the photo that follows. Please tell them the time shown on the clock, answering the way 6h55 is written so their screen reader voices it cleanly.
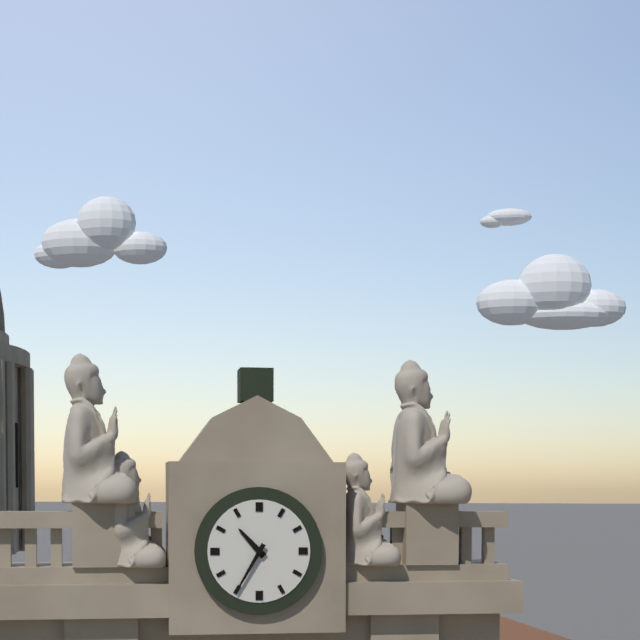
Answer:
10h35
